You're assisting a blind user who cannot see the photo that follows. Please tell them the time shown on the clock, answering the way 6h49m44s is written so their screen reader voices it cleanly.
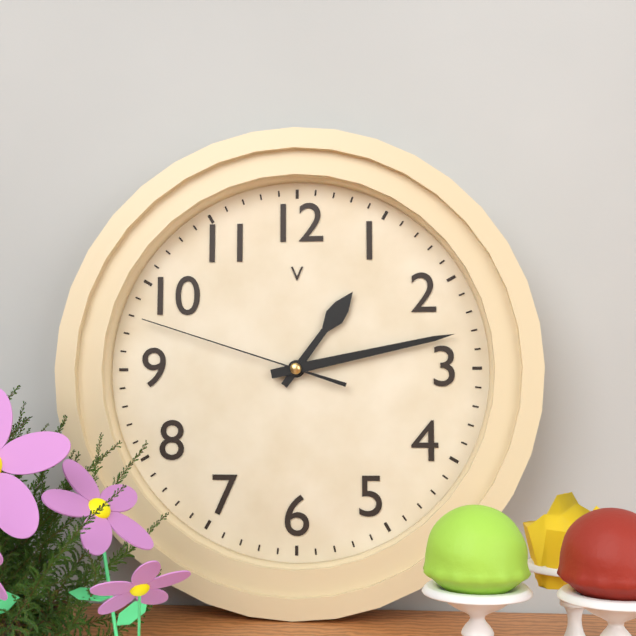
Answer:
1h13m48s
